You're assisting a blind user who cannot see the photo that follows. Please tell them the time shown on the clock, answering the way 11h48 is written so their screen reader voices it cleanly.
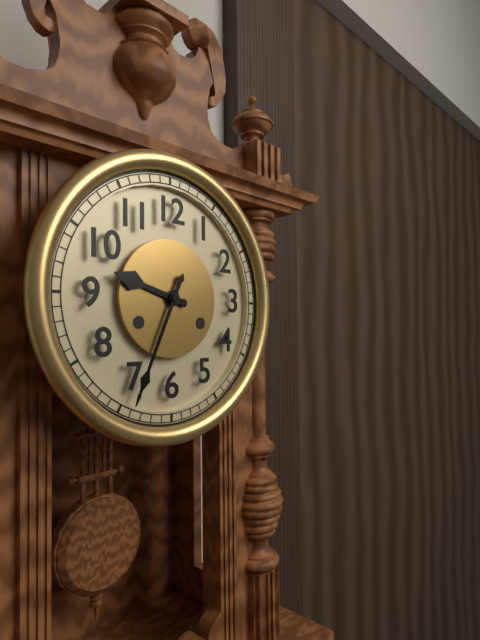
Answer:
9h34
